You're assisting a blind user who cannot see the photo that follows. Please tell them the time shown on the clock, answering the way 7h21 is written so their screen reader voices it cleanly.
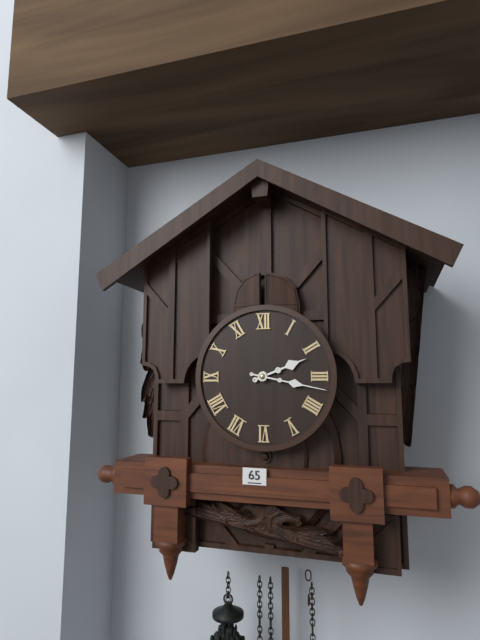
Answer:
2h17
